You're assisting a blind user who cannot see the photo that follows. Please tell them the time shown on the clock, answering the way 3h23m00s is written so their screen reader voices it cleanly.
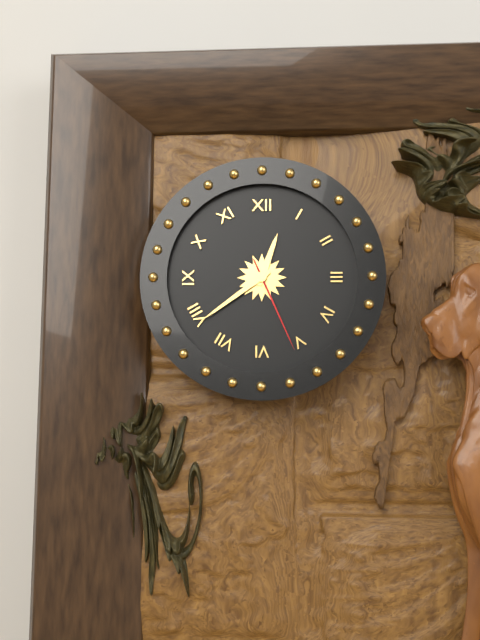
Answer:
12h39m26s
